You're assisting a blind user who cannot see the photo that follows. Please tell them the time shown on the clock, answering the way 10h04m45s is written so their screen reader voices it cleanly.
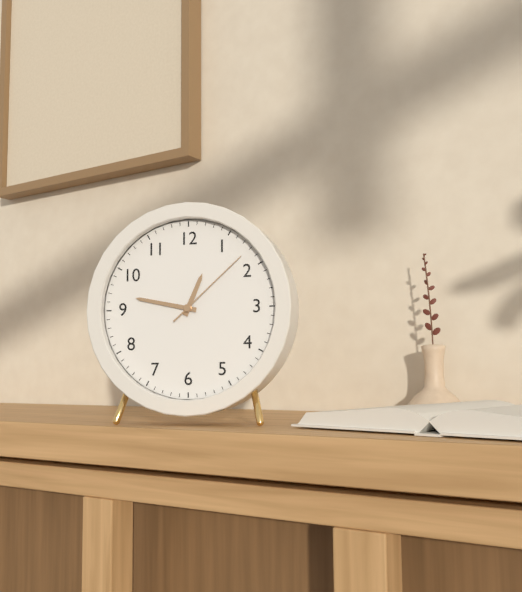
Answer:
12h47m08s
